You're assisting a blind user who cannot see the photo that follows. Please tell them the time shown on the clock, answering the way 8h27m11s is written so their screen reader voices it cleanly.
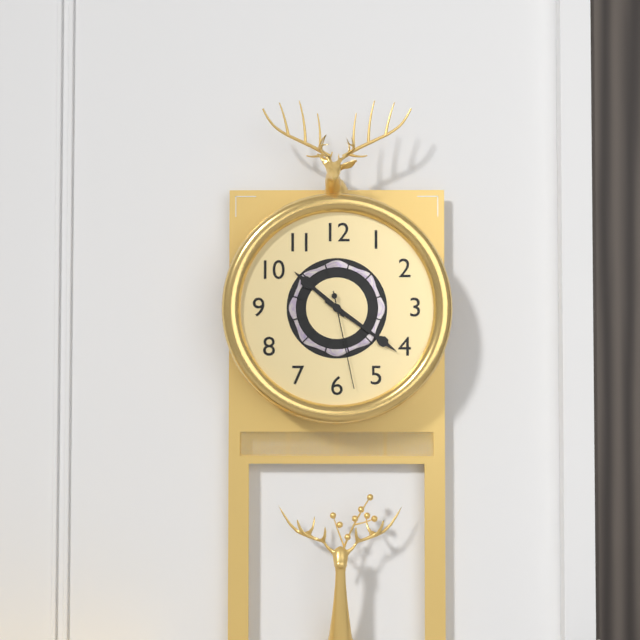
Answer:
10h21m28s
